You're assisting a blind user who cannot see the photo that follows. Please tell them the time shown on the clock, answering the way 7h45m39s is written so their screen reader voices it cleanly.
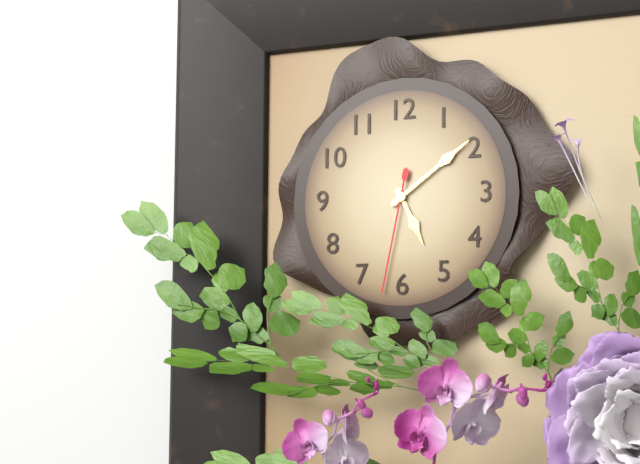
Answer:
5h09m32s
